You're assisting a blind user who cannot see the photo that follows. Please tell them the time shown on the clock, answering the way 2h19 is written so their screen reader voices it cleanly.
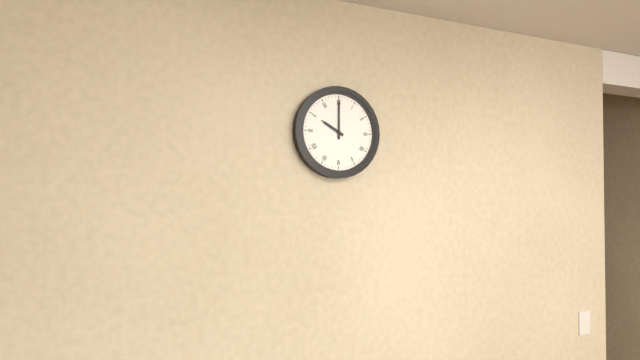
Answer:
10h00
